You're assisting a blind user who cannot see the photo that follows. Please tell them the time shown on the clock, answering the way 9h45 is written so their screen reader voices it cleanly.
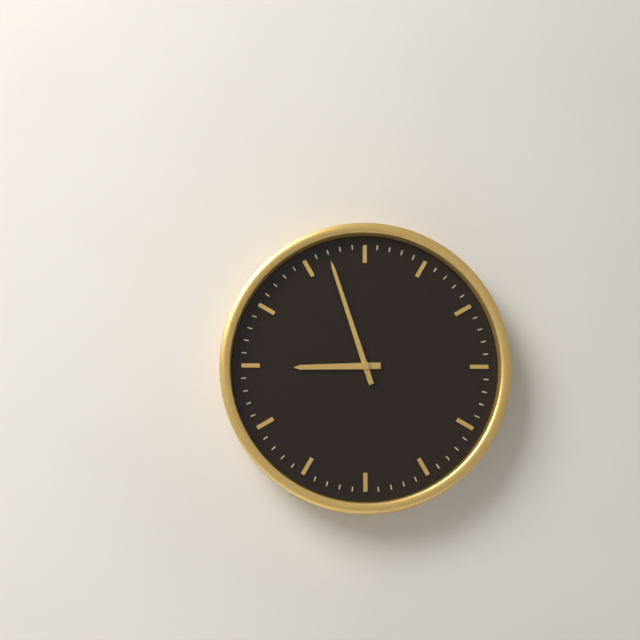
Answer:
8h57
